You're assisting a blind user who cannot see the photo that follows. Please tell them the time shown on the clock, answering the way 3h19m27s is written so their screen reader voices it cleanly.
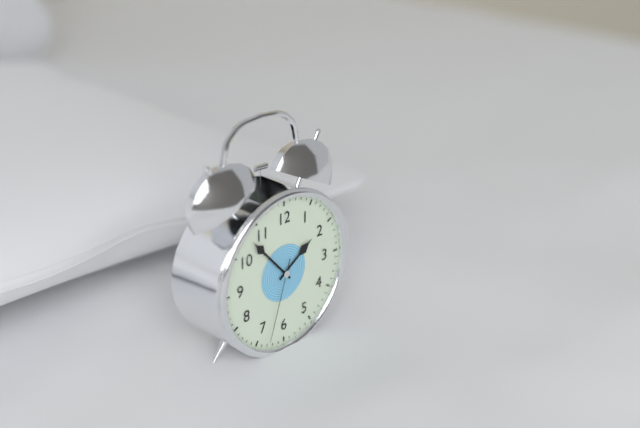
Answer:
1h53m33s
